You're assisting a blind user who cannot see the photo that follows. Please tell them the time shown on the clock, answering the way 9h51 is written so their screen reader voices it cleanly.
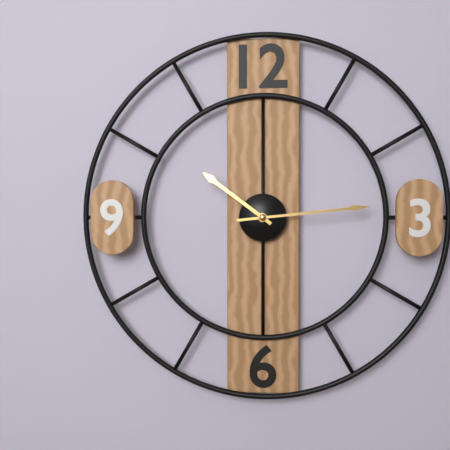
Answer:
10h14
